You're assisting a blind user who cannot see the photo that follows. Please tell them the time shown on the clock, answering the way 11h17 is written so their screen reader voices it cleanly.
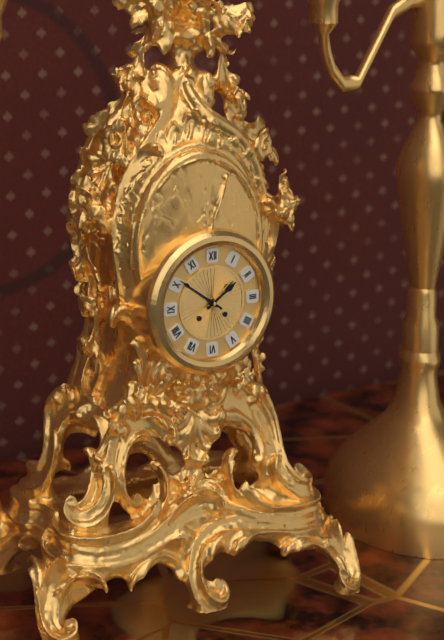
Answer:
1h51
